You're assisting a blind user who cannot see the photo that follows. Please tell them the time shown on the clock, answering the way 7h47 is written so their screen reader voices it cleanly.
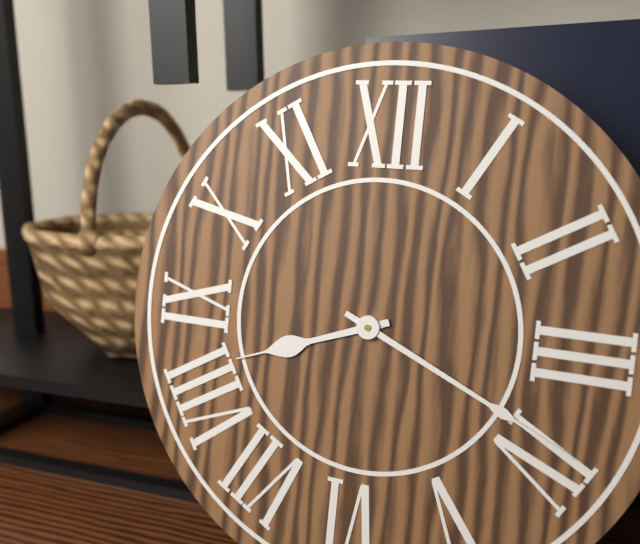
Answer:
8h19
